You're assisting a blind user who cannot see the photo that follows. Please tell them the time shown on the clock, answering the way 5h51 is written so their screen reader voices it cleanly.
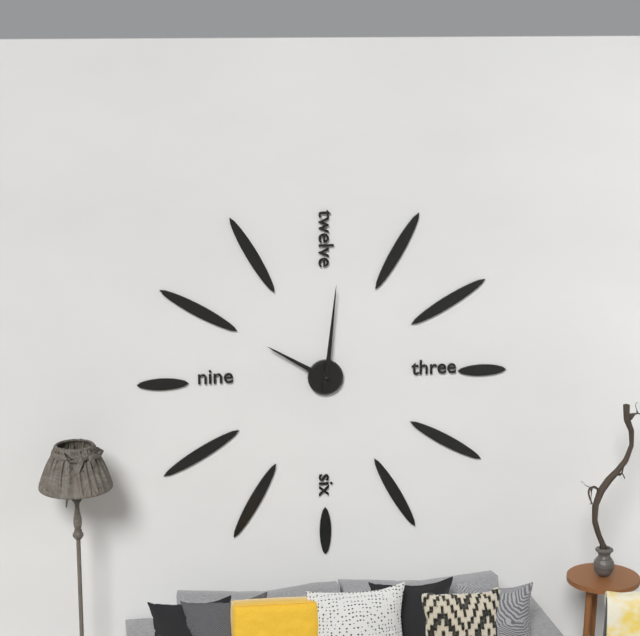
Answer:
10h01
